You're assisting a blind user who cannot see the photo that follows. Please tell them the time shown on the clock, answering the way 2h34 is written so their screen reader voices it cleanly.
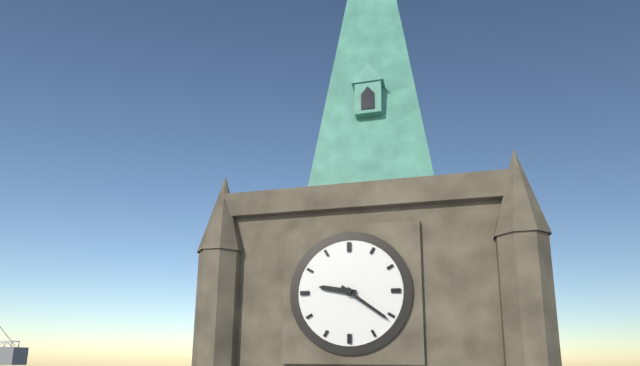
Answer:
9h21
